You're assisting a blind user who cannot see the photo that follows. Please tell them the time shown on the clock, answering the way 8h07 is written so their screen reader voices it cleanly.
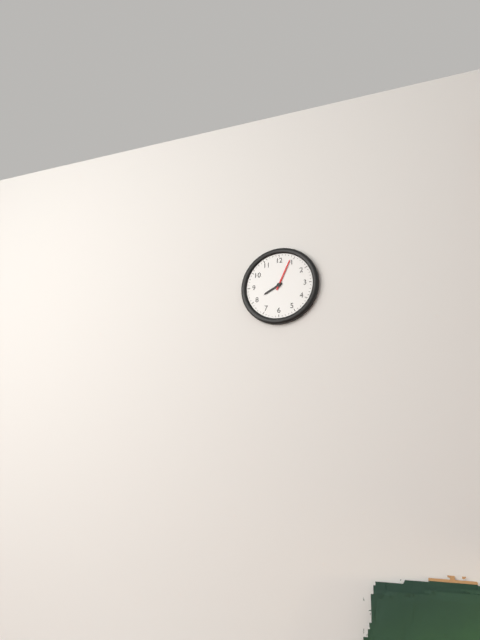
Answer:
8h04
